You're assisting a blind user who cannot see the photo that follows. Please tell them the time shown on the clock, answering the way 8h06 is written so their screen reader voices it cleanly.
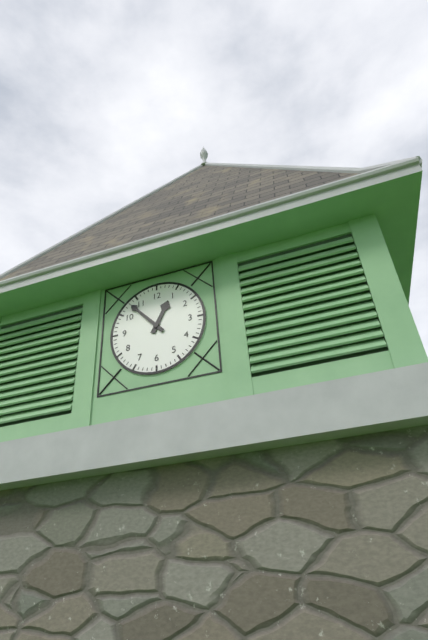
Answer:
12h53
